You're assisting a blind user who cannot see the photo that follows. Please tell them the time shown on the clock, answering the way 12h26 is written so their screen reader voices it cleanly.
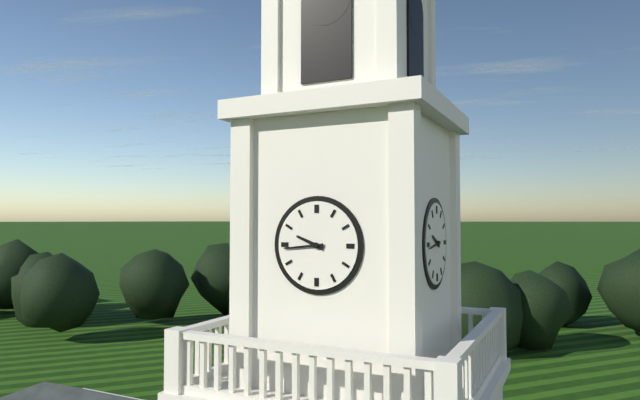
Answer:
9h44
